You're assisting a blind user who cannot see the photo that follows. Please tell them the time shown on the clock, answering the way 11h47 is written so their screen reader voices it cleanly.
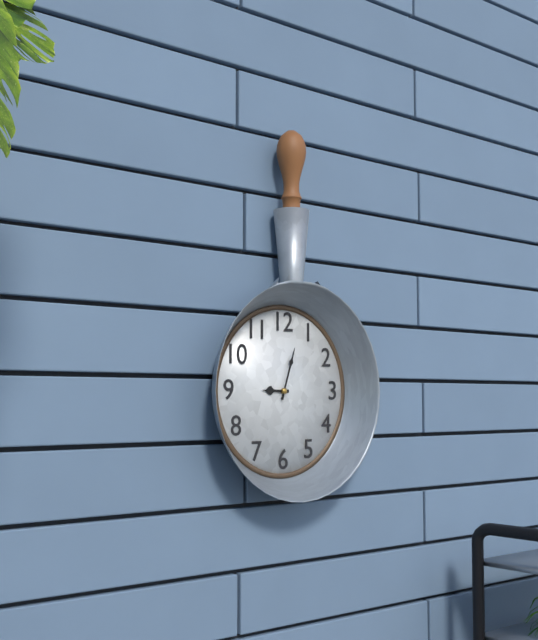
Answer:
9h03
